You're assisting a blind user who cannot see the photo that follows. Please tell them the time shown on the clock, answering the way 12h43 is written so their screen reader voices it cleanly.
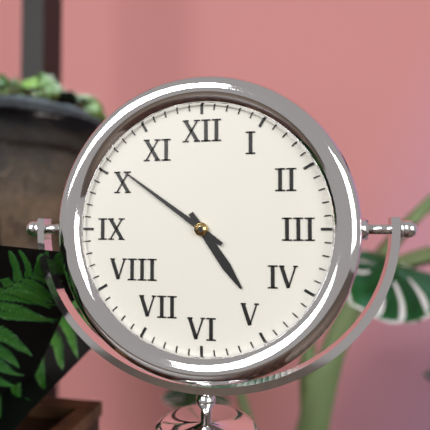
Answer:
4h51
